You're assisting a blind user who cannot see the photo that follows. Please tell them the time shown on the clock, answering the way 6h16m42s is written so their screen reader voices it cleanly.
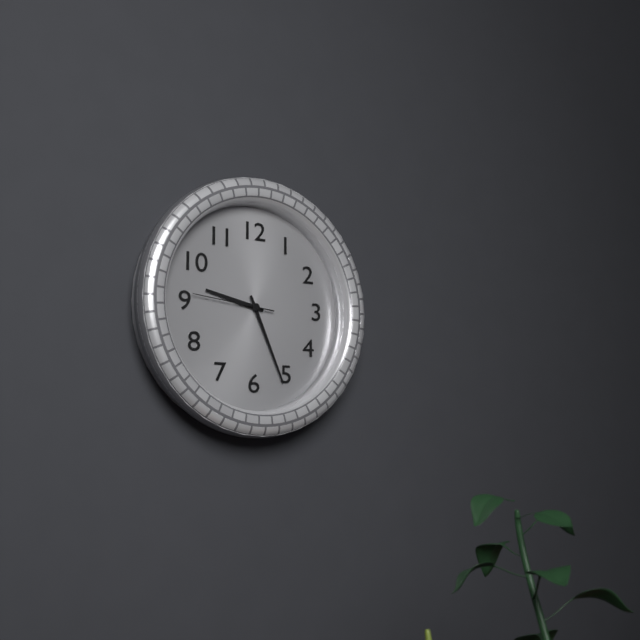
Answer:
9h26m46s
